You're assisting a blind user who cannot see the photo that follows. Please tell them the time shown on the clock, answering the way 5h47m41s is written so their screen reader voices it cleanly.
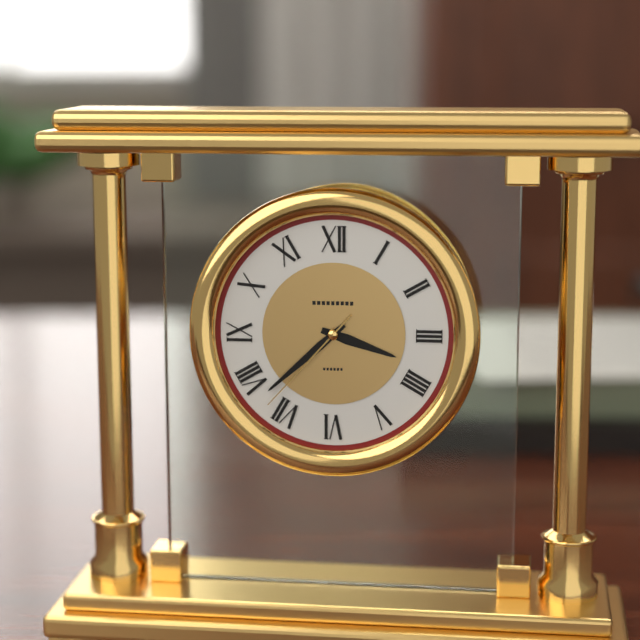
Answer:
3h38m37s
